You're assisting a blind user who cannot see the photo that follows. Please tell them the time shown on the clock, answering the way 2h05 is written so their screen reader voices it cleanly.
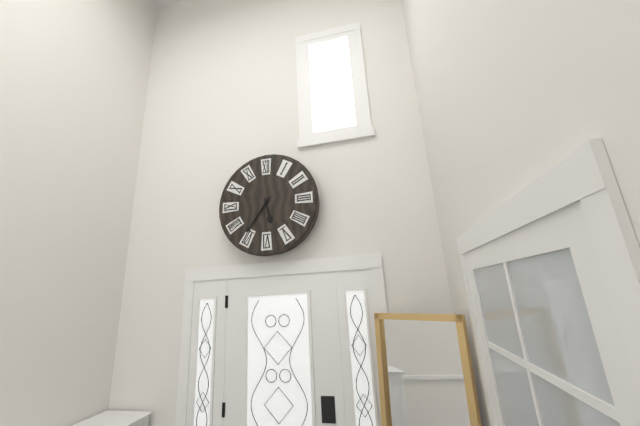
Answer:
5h36
